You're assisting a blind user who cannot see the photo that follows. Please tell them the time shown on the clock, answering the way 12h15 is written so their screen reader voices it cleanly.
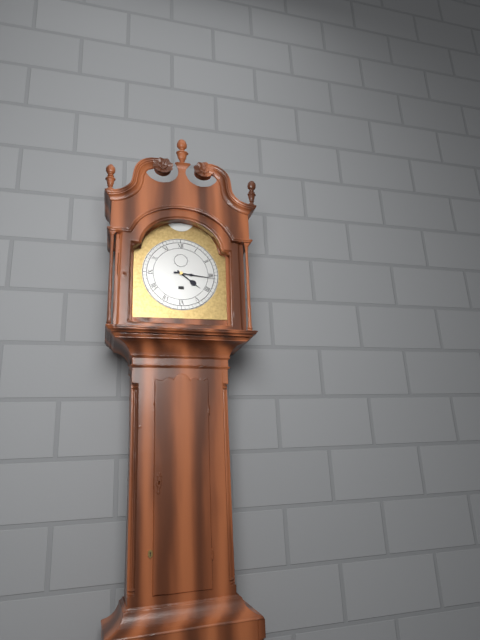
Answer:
4h16
